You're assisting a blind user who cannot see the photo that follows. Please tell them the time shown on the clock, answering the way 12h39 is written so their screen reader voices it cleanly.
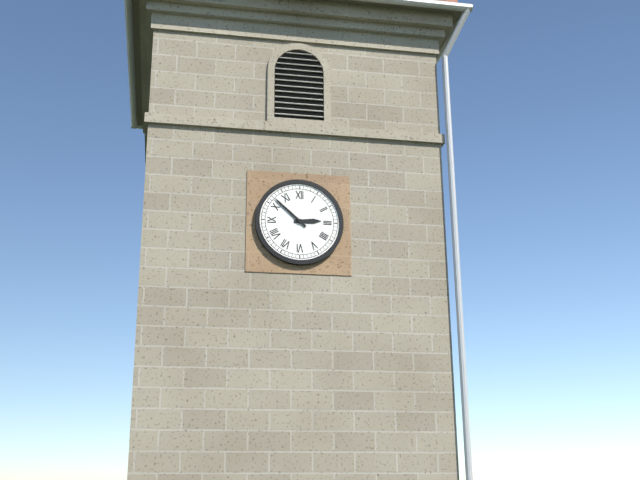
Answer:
2h52
